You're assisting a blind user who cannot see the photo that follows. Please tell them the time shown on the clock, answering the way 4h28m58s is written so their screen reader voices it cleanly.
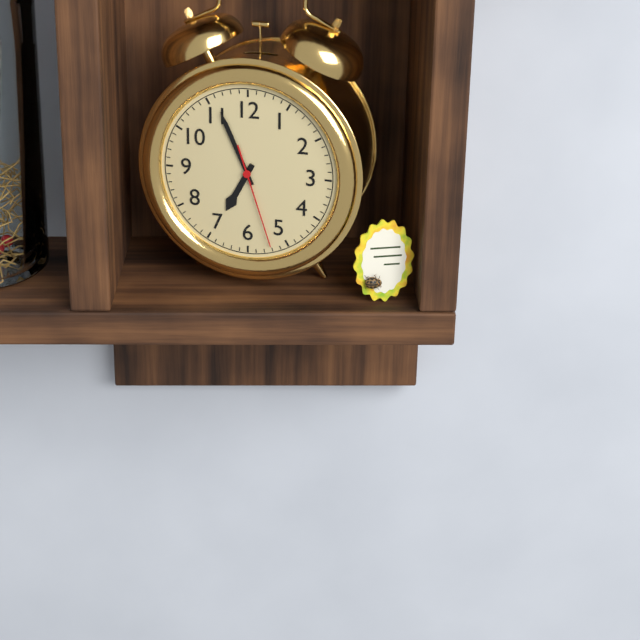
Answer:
6h56m27s
